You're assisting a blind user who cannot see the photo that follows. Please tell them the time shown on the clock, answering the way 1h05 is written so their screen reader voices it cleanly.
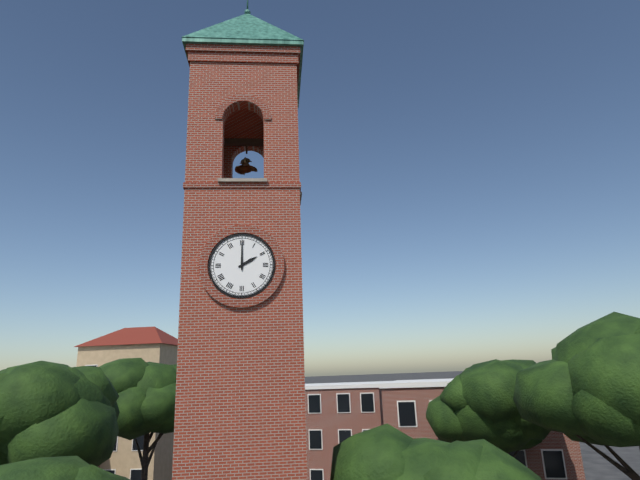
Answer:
2h00
